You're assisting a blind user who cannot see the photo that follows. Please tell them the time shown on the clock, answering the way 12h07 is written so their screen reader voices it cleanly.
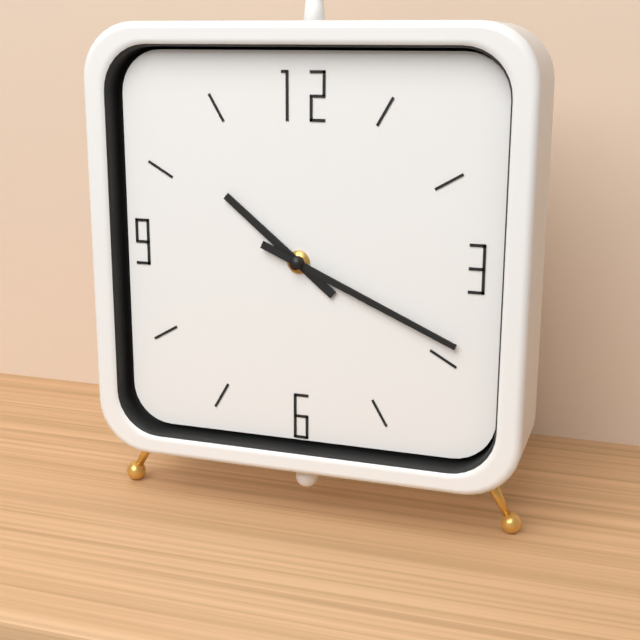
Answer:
10h19
